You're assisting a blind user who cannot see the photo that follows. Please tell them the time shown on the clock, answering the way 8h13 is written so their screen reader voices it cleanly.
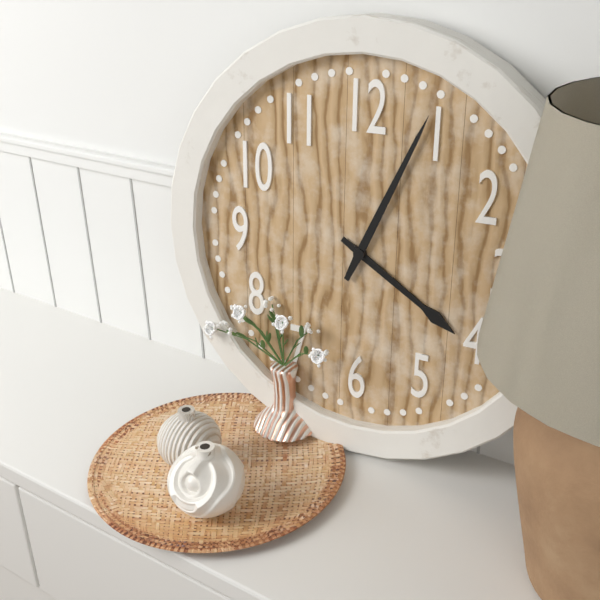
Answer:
4h04
